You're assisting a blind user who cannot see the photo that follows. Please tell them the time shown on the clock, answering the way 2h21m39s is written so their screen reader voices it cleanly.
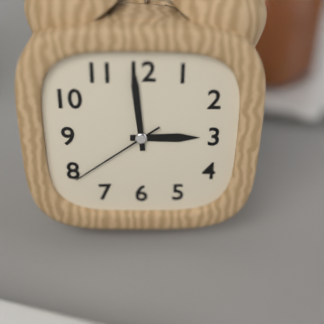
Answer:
2h59m39s
